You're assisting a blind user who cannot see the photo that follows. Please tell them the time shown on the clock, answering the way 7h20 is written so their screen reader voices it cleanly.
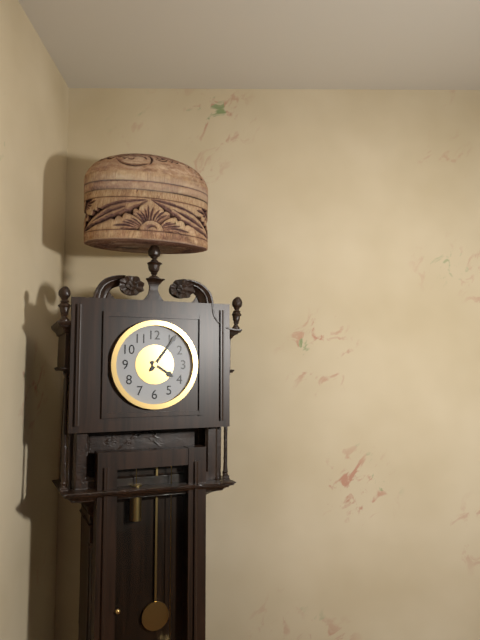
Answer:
4h06
